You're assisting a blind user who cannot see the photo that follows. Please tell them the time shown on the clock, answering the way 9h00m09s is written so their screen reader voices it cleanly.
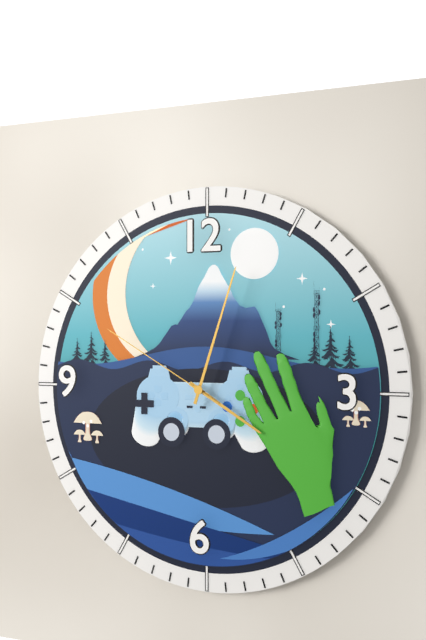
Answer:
4h03m50s
